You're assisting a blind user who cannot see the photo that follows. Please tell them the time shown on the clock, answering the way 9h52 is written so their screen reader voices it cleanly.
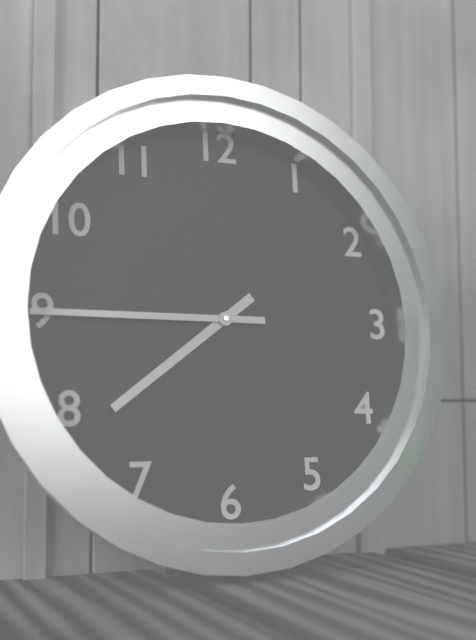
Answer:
7h45
